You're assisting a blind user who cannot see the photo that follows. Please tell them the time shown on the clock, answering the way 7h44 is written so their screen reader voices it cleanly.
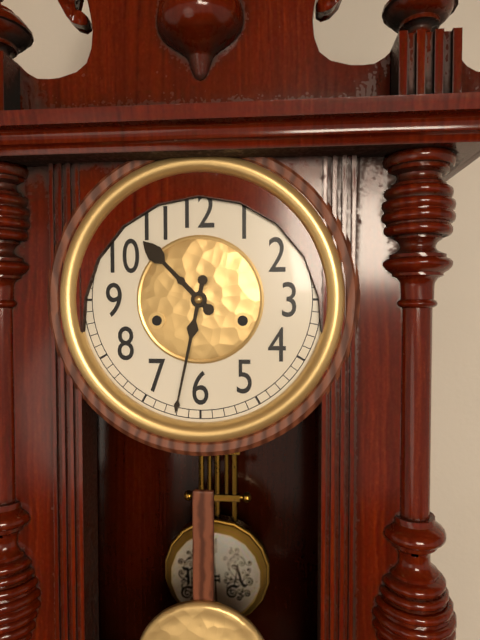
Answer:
10h32
